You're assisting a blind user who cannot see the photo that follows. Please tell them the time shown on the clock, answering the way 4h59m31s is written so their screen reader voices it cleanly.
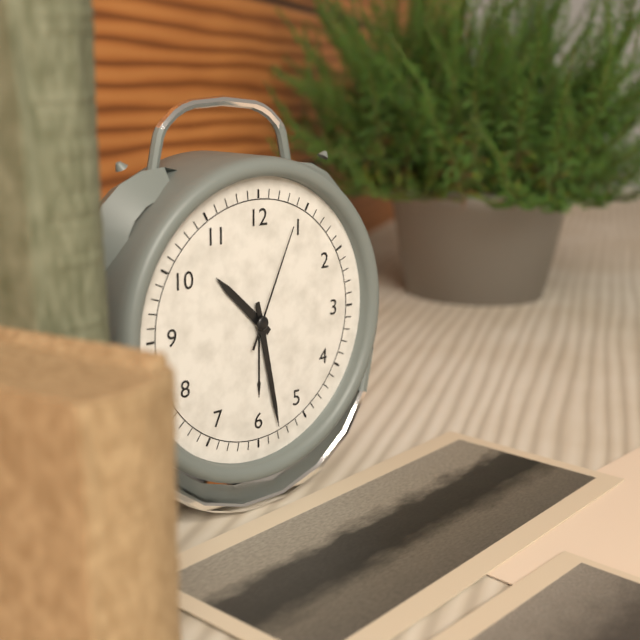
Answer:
10h28m04s
